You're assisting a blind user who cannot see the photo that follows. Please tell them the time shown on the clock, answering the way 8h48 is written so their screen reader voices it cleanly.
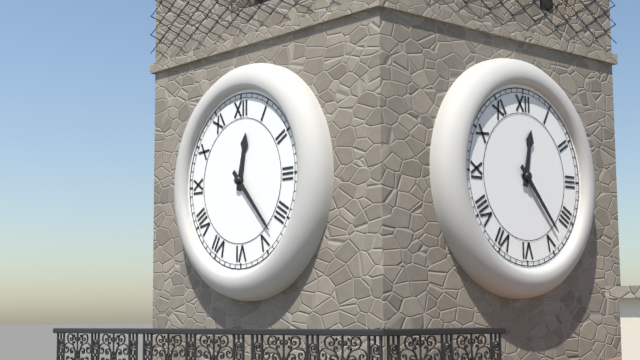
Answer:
12h23
